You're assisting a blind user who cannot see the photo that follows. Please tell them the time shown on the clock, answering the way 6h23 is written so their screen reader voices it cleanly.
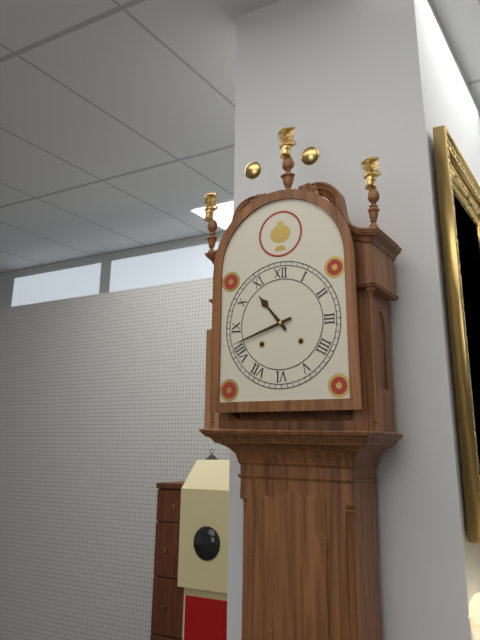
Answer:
10h42
